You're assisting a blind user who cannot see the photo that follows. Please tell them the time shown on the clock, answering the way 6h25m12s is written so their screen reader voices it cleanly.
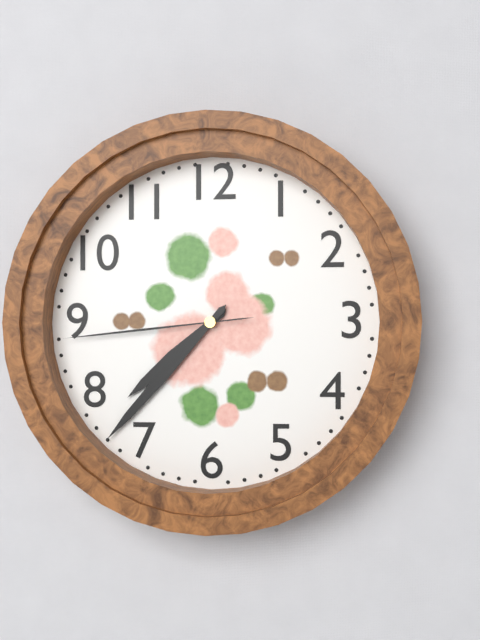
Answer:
7h37m44s
